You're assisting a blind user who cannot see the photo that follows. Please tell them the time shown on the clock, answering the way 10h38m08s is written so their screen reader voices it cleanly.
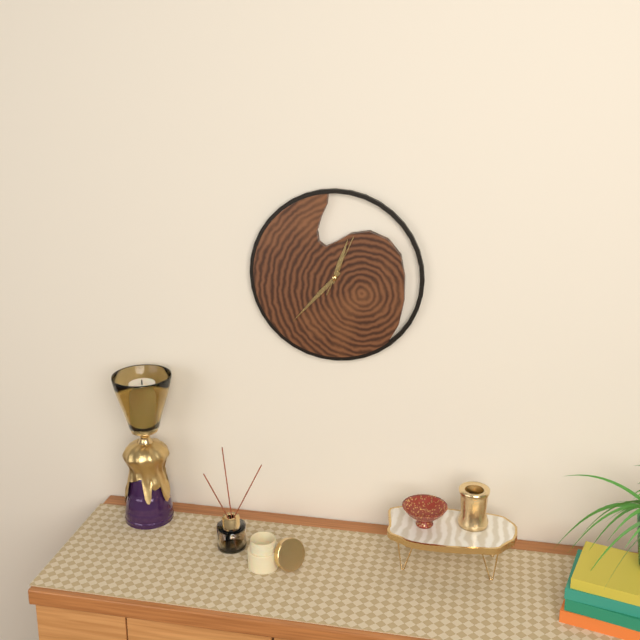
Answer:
12h37m04s
